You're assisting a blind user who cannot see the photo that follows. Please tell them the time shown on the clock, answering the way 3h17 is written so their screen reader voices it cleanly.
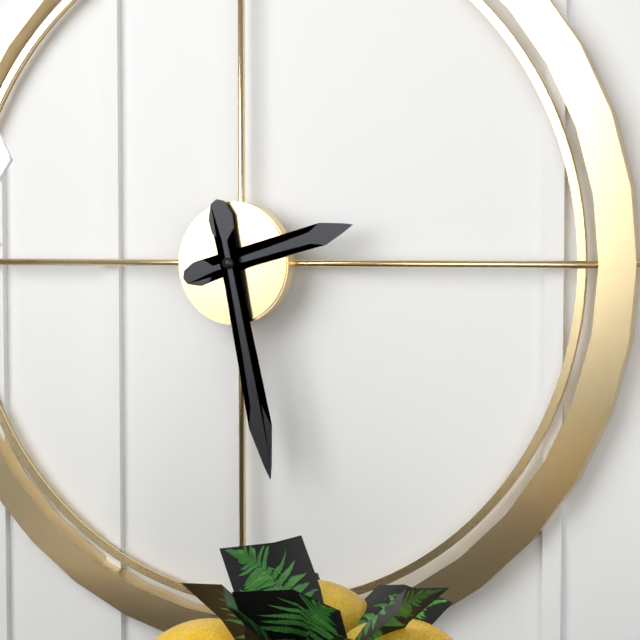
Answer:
2h28
